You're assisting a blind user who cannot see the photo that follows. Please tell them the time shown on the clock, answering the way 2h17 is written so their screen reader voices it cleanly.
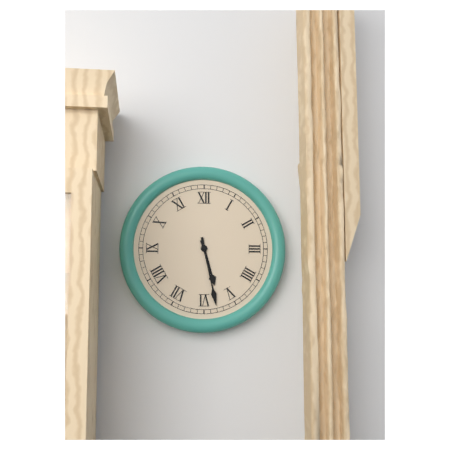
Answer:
5h28
